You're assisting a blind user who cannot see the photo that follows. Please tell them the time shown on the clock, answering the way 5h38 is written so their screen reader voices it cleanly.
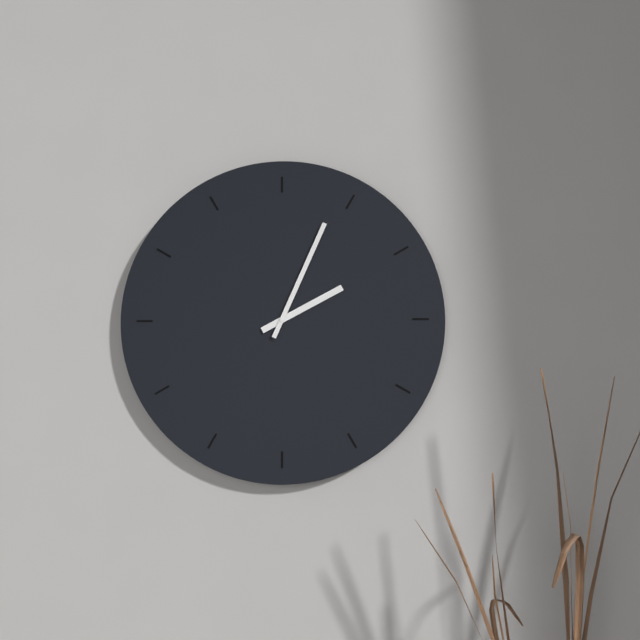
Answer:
2h04
